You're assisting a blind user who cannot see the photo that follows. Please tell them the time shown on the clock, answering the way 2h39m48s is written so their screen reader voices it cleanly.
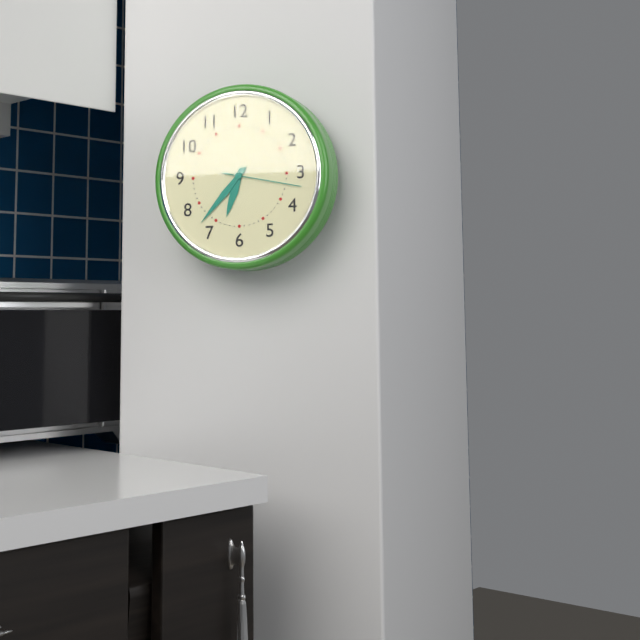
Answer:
6h37m17s
